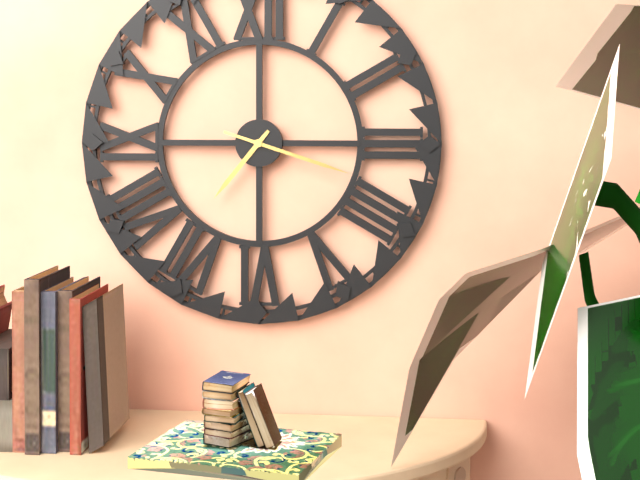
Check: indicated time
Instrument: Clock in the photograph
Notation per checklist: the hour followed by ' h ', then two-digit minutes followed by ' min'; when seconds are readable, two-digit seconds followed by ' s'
7 h 18 min
